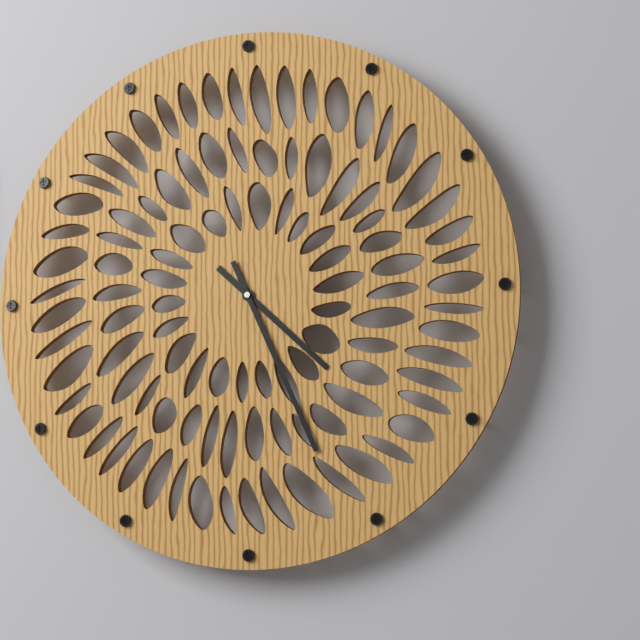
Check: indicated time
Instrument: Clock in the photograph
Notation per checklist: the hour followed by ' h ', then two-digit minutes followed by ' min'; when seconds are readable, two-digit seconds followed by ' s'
4 h 26 min
